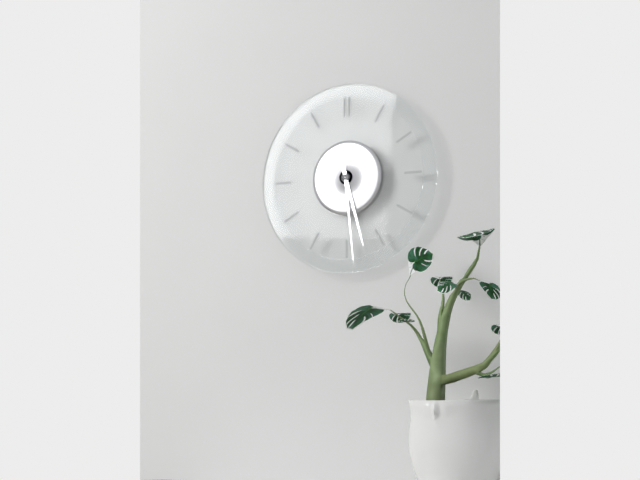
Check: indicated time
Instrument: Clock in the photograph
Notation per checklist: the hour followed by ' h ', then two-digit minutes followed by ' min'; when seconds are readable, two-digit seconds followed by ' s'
5 h 29 min
